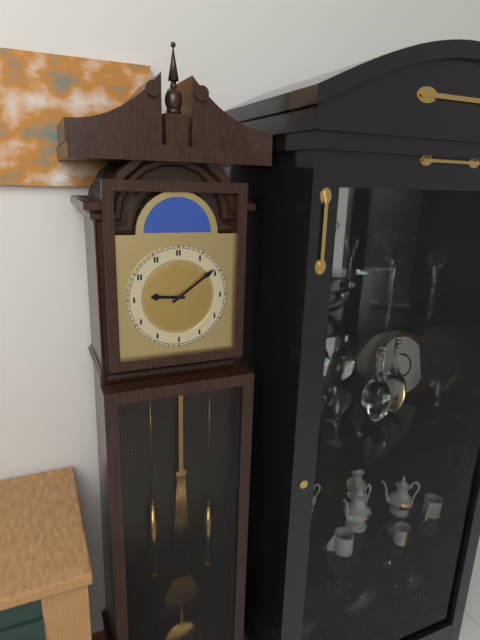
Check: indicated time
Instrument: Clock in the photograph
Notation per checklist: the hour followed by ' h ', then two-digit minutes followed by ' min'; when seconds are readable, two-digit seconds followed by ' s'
9 h 09 min
